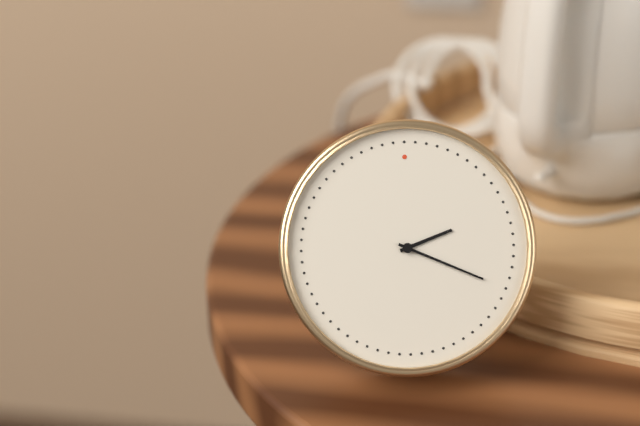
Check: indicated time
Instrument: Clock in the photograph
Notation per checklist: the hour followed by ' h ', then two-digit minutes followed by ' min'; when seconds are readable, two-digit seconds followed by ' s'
2 h 19 min
